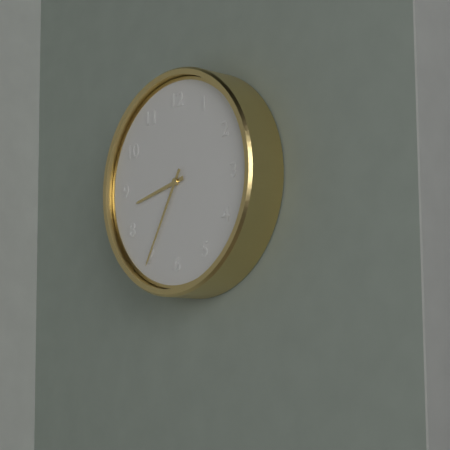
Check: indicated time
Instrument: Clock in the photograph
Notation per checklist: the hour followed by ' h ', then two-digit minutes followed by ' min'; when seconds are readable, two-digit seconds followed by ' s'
8 h 35 min
